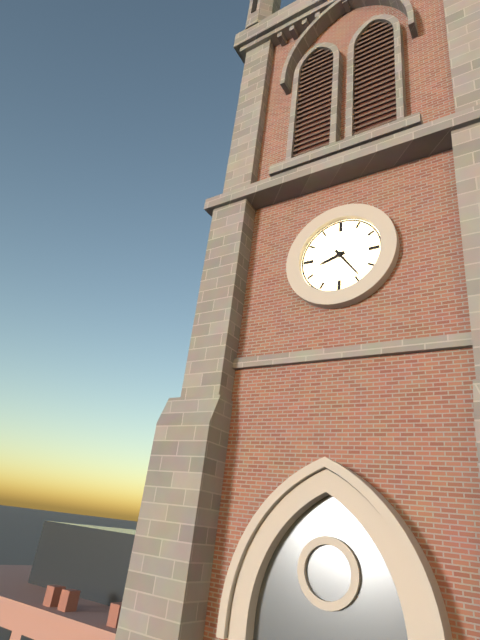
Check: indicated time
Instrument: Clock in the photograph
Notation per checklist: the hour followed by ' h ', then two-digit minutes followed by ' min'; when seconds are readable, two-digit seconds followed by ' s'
8 h 24 min
